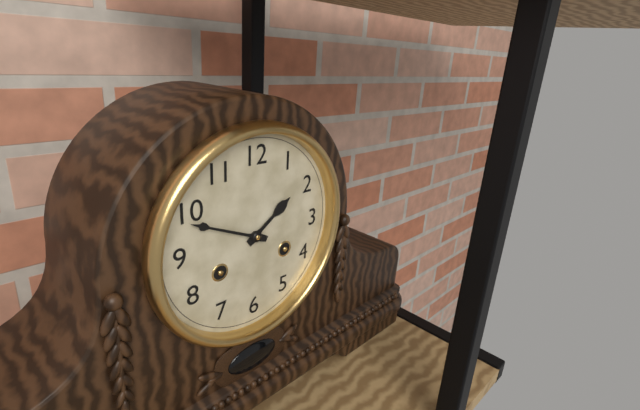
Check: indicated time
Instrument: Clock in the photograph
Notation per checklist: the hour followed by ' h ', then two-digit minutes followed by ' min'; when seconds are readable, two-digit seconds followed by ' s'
1 h 49 min
